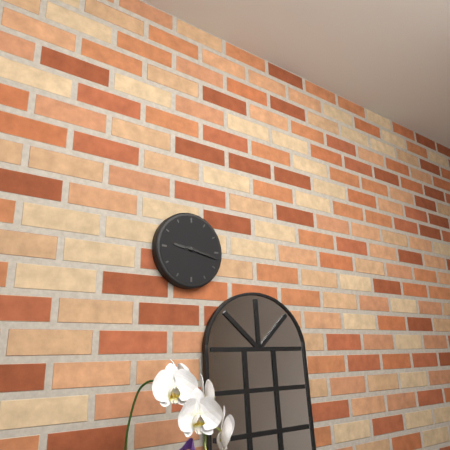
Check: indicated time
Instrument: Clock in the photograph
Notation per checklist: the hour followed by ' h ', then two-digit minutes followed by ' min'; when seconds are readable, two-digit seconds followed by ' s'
9 h 17 min
